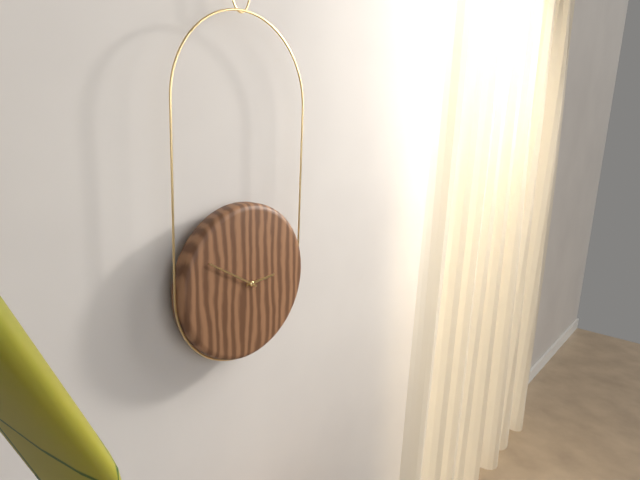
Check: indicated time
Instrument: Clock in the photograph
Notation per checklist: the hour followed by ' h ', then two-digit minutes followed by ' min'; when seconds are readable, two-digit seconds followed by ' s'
2 h 50 min
